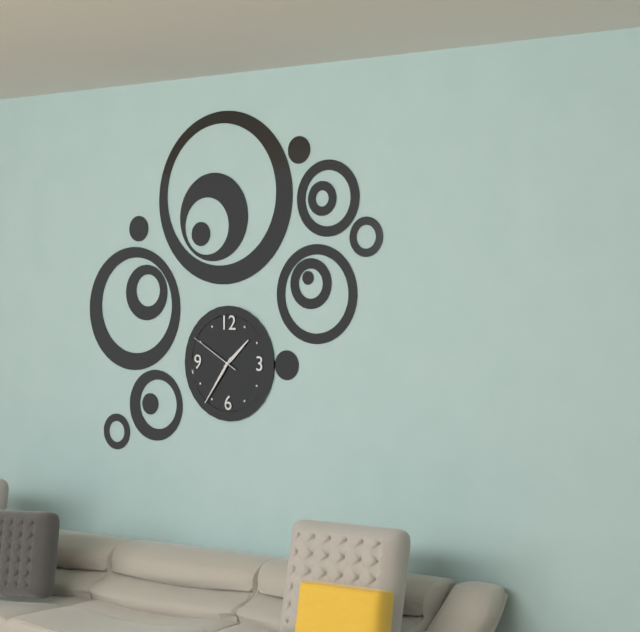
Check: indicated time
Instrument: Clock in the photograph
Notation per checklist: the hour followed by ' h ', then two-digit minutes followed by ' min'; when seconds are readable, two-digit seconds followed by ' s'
1 h 36 min 50 s
